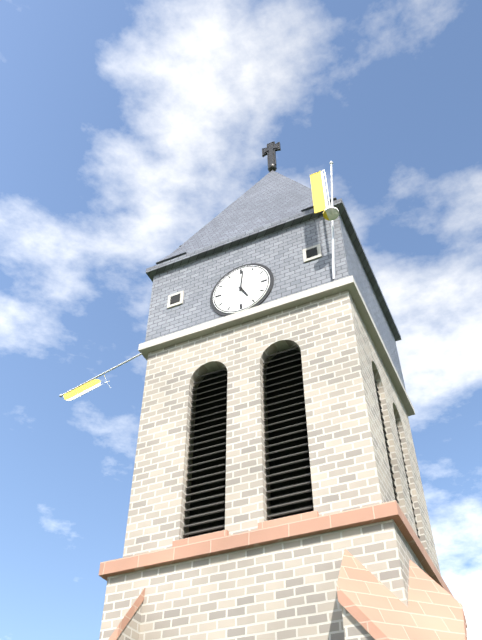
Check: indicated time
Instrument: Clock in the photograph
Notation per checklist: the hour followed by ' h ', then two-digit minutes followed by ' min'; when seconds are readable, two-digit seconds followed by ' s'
5 h 01 min
